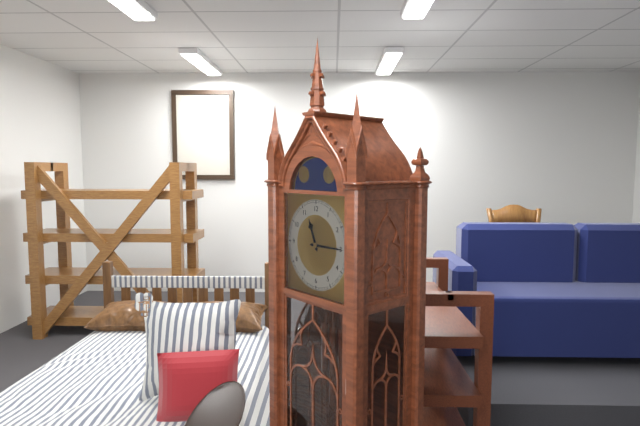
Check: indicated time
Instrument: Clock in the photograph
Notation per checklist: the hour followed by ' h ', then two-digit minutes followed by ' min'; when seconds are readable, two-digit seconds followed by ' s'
11 h 15 min
